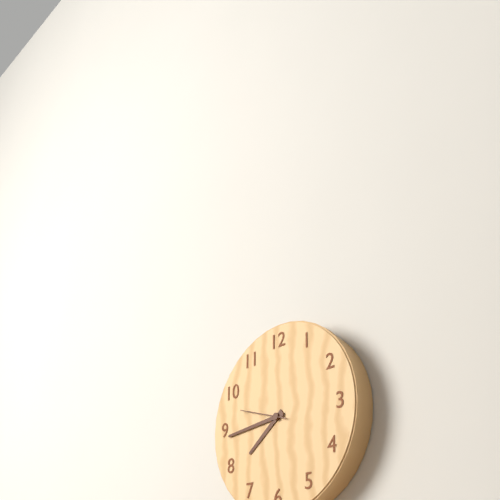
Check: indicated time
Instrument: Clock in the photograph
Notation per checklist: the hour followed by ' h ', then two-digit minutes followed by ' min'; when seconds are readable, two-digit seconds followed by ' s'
7 h 44 min
